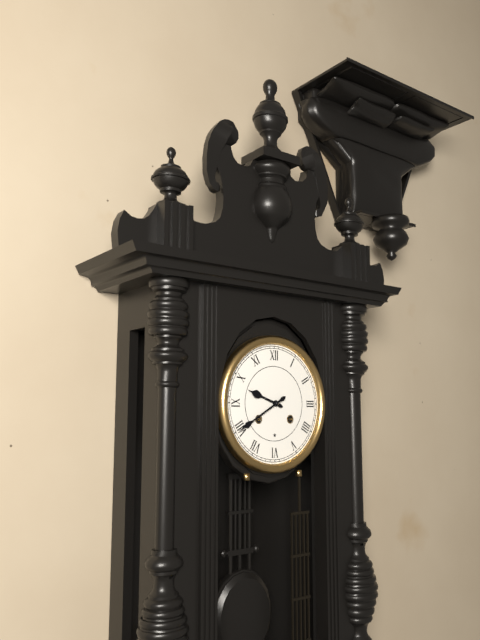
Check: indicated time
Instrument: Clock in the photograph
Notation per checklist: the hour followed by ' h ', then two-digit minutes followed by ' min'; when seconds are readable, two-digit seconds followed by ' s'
9 h 40 min
